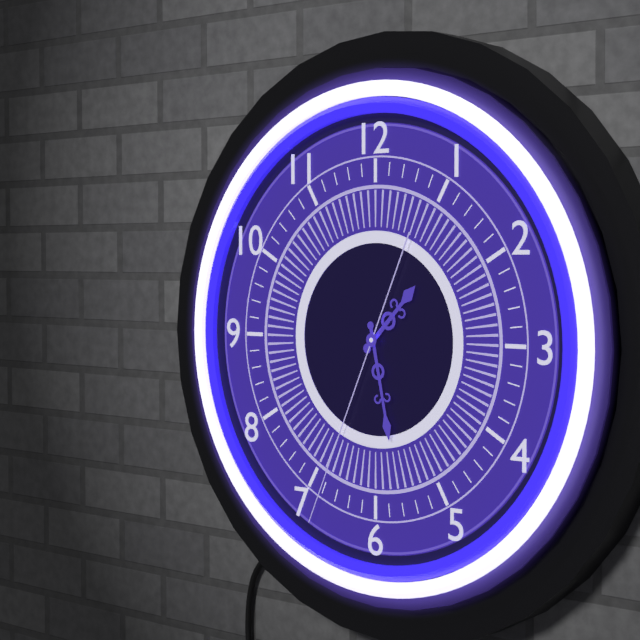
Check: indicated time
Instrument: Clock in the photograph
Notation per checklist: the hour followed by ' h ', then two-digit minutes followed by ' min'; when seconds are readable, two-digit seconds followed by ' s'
1 h 28 min 34 s
